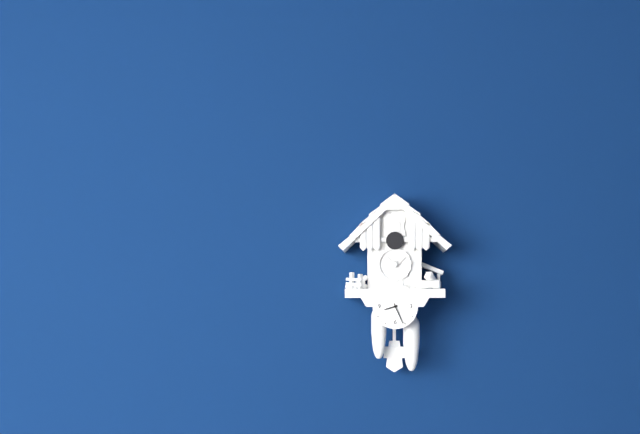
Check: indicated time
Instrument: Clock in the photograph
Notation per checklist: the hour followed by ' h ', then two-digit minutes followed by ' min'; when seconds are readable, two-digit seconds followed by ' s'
8 h 26 min
